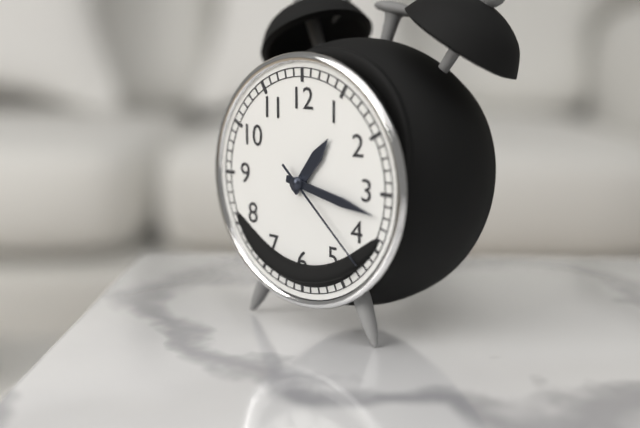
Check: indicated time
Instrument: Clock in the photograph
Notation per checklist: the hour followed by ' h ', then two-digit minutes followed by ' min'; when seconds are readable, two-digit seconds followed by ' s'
1 h 17 min 22 s
